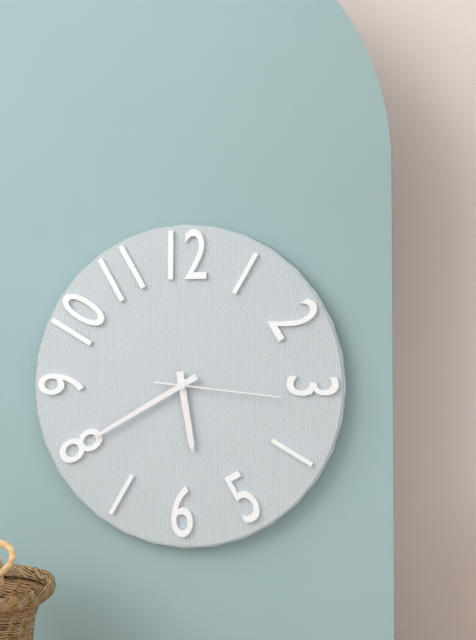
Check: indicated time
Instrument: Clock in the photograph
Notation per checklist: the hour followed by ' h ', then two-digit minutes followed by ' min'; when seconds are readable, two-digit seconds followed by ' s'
5 h 40 min 16 s
